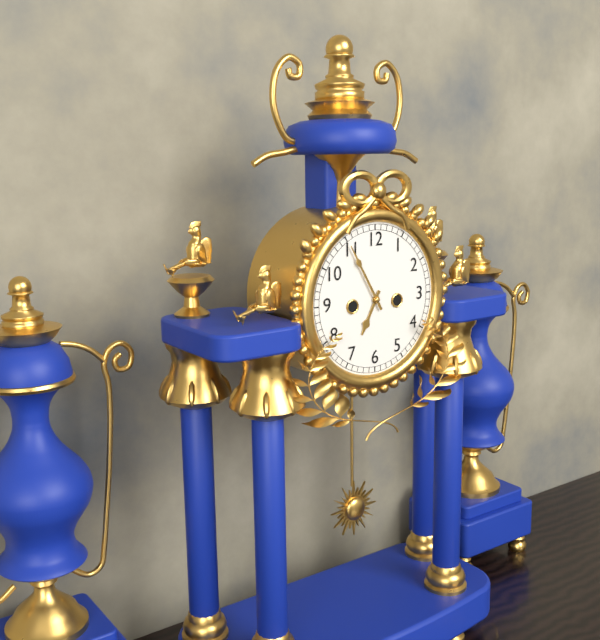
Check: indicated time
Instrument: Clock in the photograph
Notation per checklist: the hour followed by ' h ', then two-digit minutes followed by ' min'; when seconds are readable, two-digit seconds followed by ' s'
6 h 55 min
